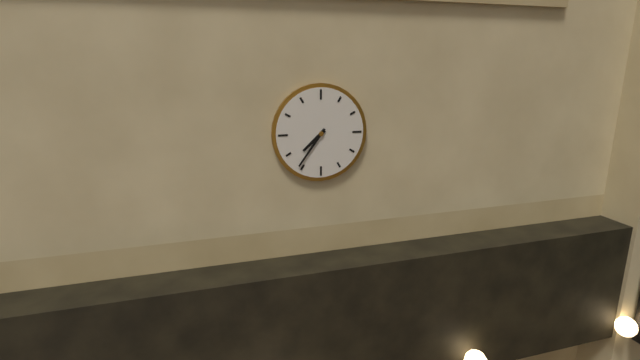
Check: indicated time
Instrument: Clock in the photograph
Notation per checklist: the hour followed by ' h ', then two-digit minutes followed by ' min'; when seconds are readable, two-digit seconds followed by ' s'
7 h 36 min
